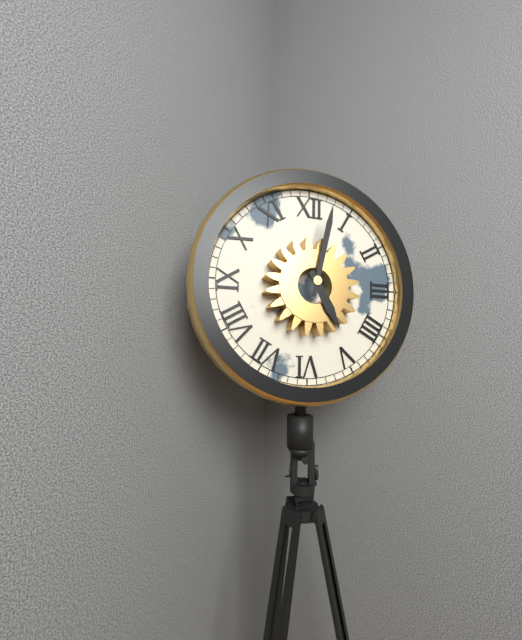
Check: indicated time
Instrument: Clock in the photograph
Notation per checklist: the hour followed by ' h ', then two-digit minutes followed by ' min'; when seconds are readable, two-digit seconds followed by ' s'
5 h 02 min
